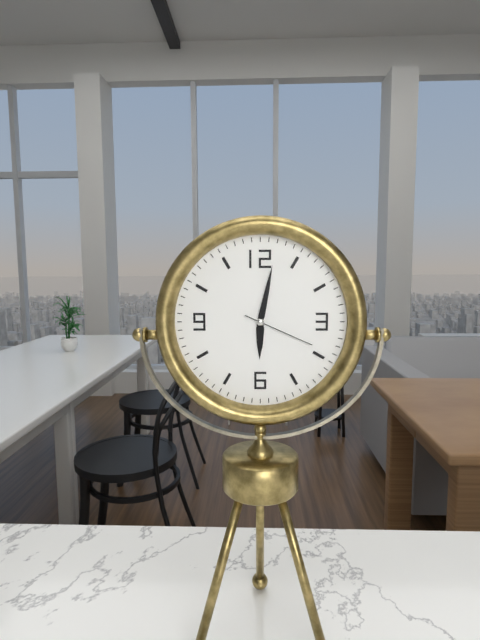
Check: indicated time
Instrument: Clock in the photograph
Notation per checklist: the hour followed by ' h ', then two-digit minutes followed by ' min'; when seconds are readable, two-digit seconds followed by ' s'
6 h 02 min 19 s
